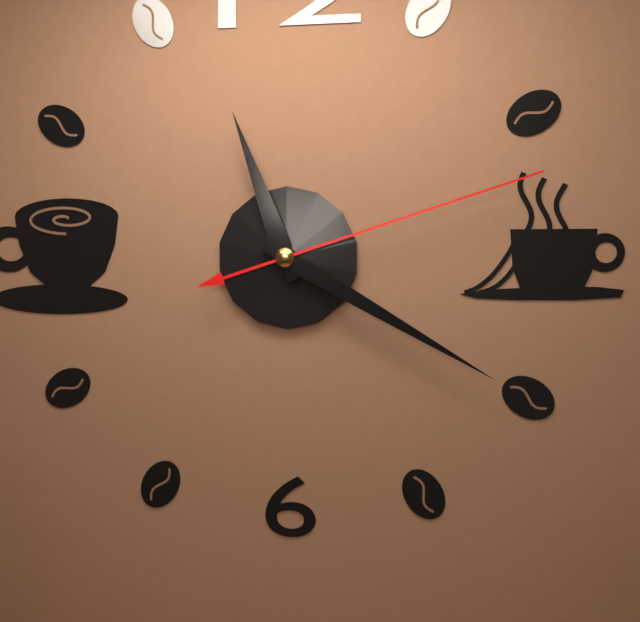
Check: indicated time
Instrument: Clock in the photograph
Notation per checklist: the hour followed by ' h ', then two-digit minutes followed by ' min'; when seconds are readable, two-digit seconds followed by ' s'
11 h 20 min 12 s
